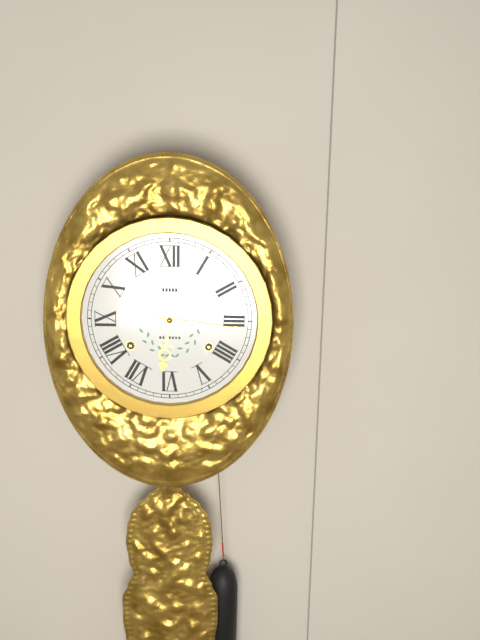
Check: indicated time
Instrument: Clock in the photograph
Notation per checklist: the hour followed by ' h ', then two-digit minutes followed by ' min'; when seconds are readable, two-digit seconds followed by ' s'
6 h 16 min
